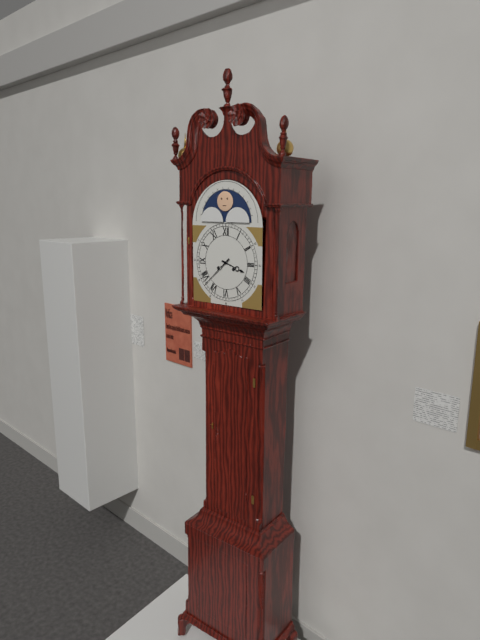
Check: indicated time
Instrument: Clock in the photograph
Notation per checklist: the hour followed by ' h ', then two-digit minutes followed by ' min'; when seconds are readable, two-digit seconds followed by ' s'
3 h 38 min
